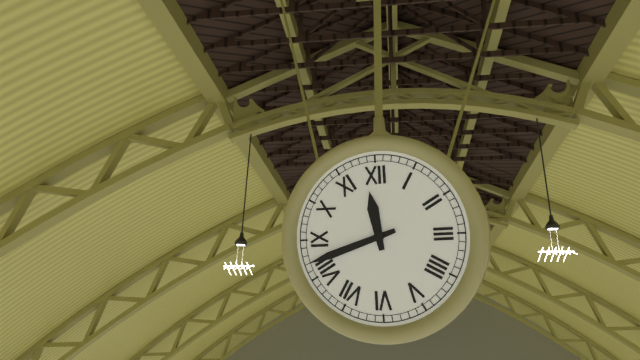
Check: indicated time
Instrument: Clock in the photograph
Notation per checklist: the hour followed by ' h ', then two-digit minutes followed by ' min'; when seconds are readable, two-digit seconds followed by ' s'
11 h 42 min
